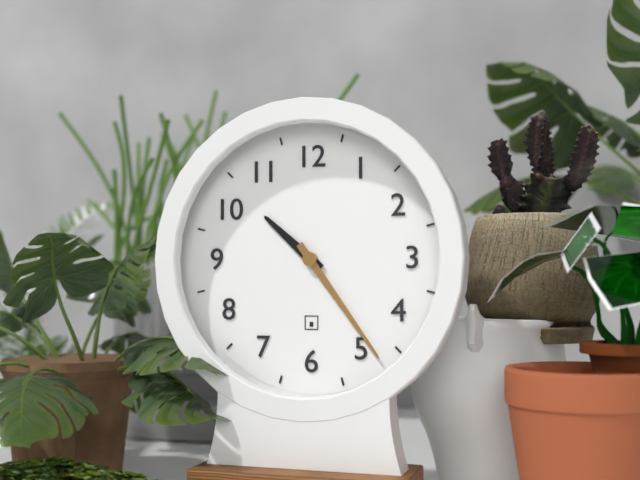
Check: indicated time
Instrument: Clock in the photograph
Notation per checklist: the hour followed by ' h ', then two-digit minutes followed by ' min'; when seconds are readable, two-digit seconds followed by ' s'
10 h 24 min
